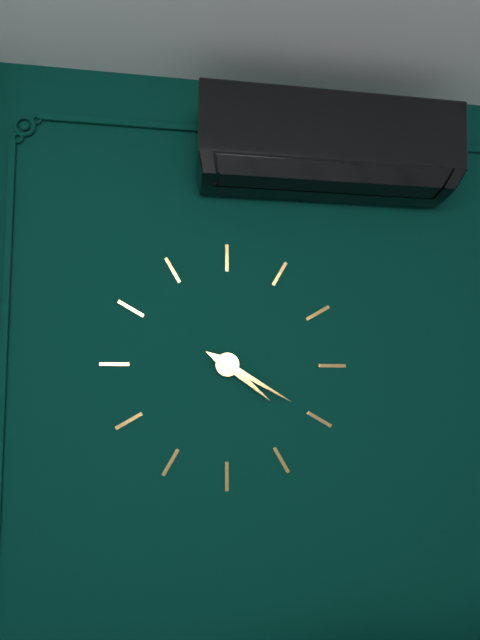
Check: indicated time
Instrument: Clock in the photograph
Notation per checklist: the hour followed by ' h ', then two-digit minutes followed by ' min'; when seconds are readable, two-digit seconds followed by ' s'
4 h 20 min
